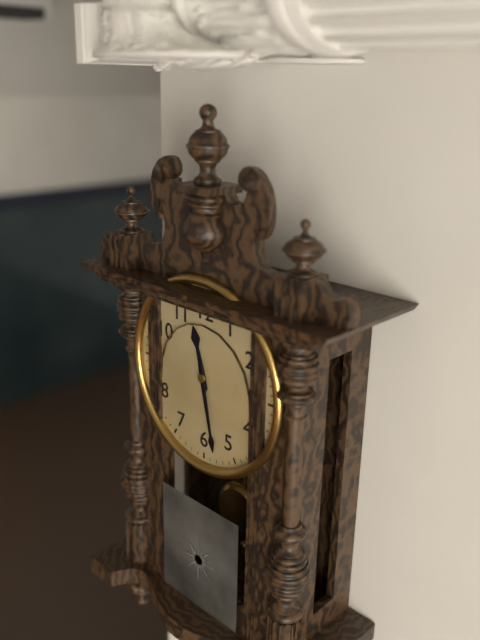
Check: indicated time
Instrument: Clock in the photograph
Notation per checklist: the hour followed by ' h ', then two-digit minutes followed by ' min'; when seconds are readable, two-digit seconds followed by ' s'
11 h 28 min
